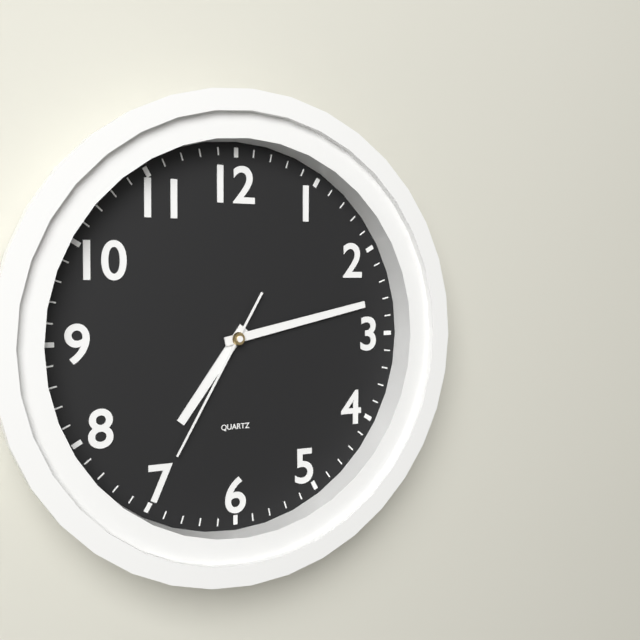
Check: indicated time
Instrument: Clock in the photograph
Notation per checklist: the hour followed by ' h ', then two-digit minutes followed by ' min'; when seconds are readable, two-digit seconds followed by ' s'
7 h 13 min 35 s
